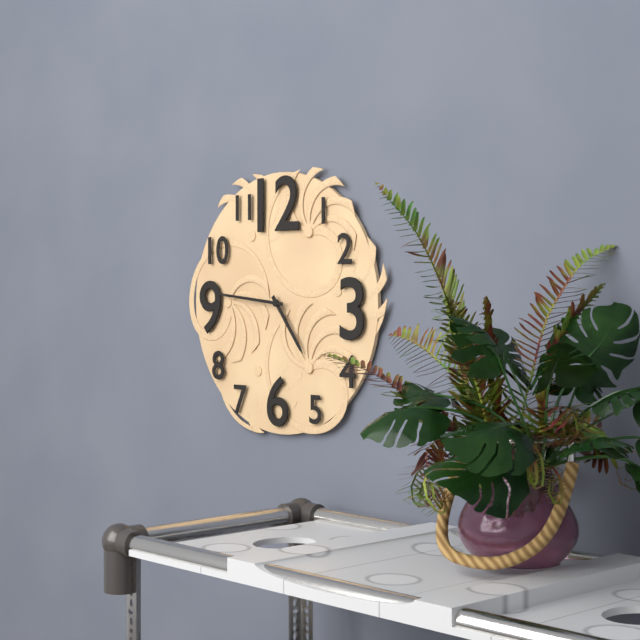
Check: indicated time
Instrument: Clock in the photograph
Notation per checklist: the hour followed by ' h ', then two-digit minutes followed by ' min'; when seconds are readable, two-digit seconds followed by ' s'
4 h 46 min
